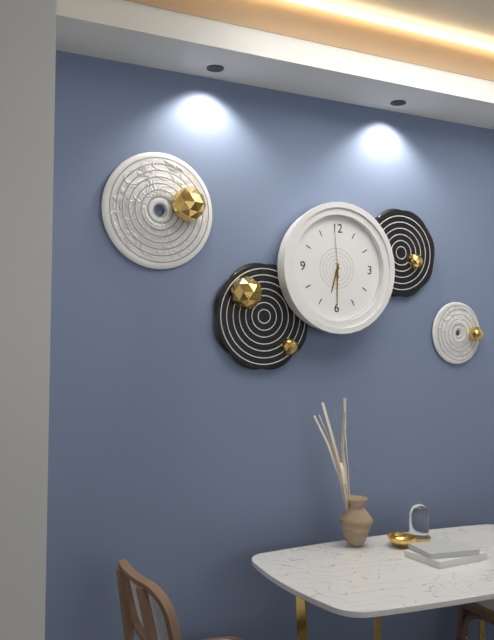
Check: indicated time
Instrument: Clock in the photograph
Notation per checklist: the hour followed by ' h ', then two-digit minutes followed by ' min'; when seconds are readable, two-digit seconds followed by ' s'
6 h 30 min 59 s
